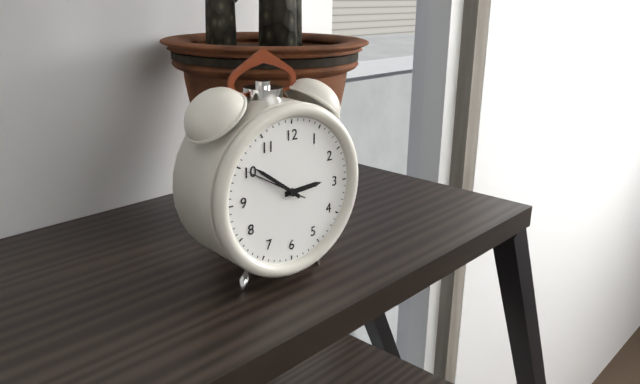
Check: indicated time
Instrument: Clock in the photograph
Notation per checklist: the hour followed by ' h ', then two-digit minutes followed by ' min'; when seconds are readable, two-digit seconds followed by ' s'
2 h 51 min 50 s
